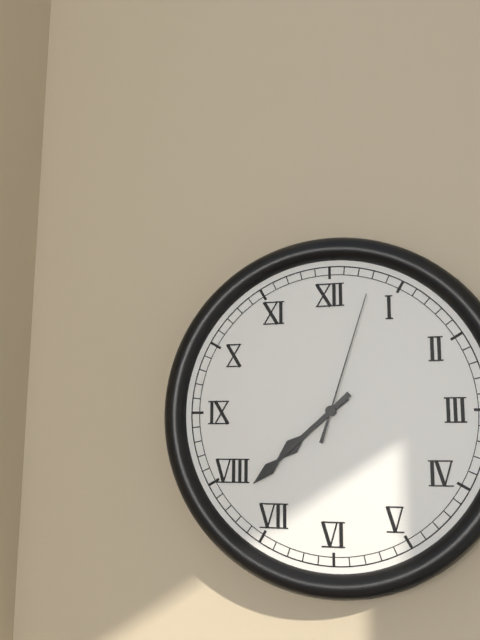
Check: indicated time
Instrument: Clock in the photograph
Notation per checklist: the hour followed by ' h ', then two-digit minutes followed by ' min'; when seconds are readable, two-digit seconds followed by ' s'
7 h 38 min 03 s
